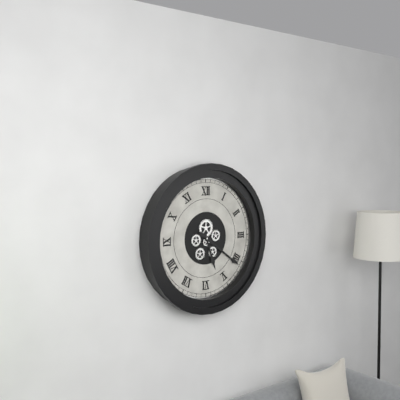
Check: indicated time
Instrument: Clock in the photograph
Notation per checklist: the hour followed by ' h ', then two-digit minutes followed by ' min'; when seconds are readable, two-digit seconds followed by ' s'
5 h 21 min
